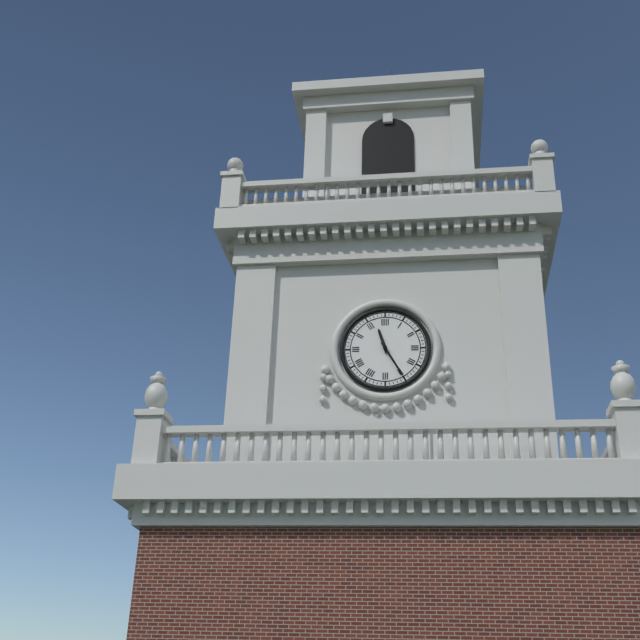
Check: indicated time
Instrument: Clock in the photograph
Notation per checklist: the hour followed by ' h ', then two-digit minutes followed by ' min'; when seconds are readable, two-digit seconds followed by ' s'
11 h 25 min
